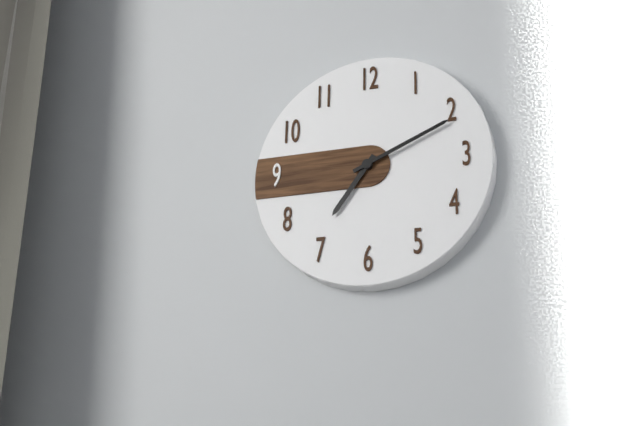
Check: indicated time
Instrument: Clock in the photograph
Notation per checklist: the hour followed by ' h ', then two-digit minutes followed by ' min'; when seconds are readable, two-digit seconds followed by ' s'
7 h 11 min
